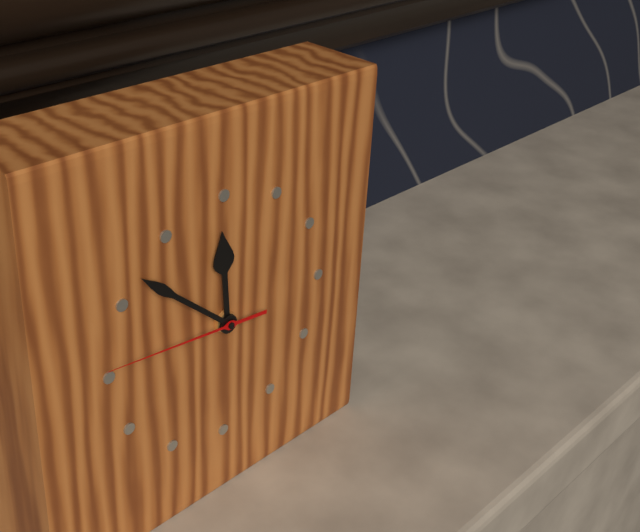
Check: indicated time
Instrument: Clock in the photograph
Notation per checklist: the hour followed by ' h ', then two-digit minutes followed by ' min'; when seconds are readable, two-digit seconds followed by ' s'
11 h 52 min 46 s
